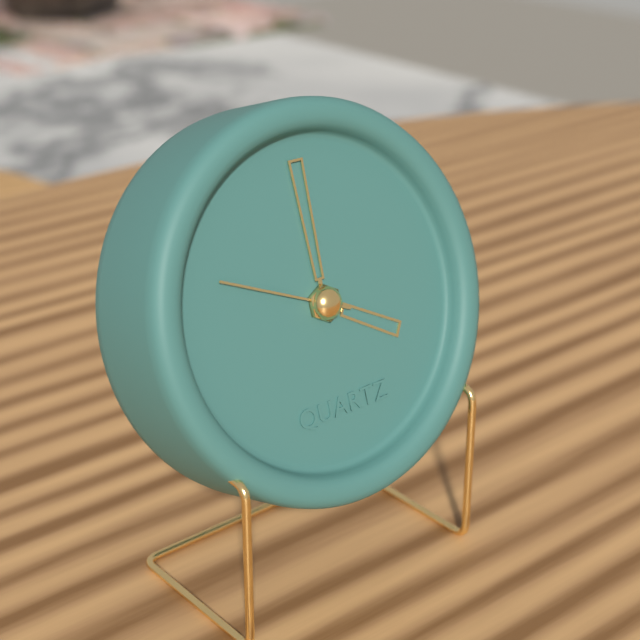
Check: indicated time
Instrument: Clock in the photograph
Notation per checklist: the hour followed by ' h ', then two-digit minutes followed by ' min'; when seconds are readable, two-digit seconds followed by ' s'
4 h 00 min 49 s
